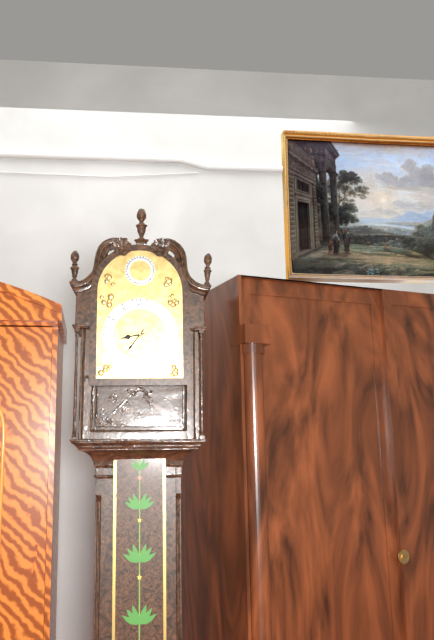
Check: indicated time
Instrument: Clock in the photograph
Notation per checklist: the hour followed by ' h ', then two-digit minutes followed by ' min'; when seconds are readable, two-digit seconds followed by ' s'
8 h 36 min
